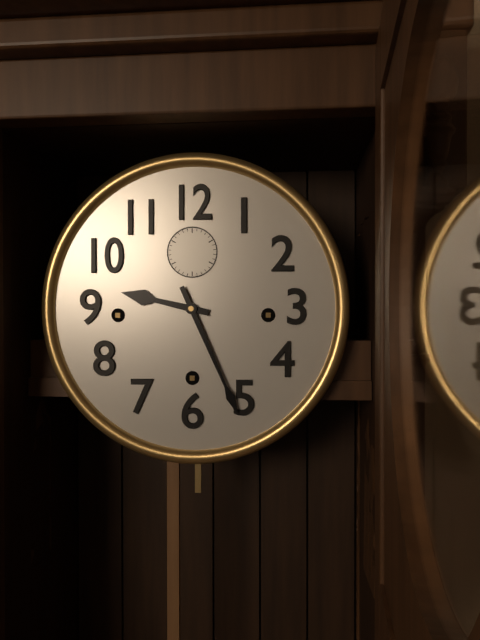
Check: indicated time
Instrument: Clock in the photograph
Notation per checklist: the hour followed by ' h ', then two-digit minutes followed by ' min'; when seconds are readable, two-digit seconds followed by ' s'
9 h 26 min
